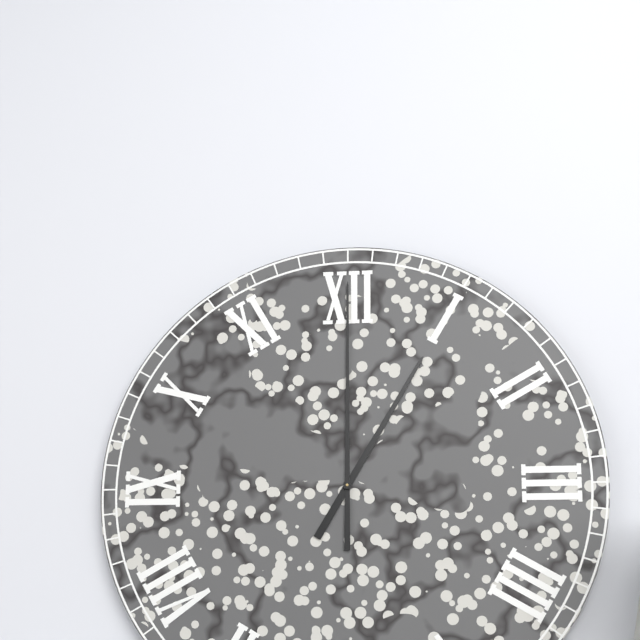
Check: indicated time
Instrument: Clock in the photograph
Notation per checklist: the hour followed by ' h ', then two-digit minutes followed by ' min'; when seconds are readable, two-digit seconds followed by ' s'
1 h 00 min
